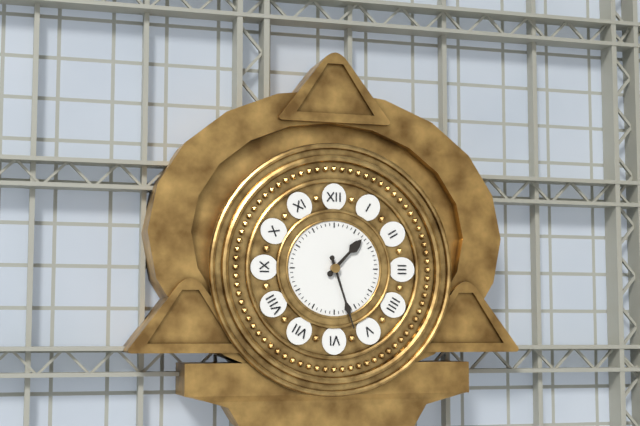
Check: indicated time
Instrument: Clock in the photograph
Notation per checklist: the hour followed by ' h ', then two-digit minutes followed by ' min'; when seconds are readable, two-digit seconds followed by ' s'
1 h 27 min
